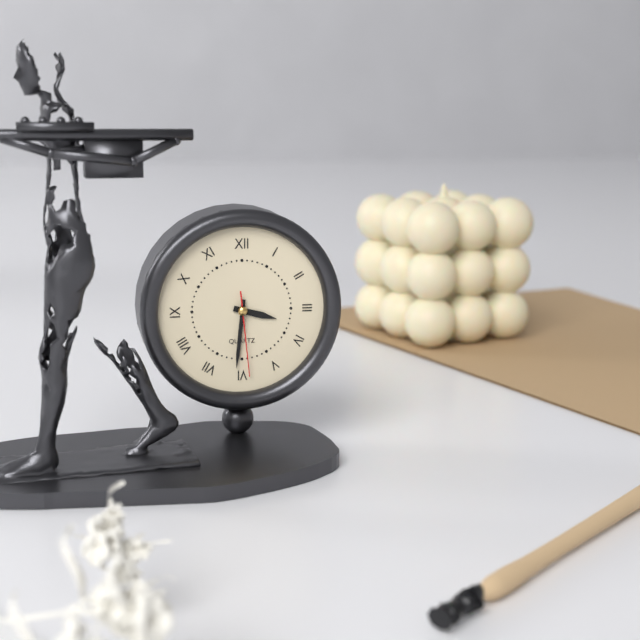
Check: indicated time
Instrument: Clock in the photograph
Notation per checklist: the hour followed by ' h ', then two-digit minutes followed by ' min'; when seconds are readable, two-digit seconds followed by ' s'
3 h 31 min 29 s
